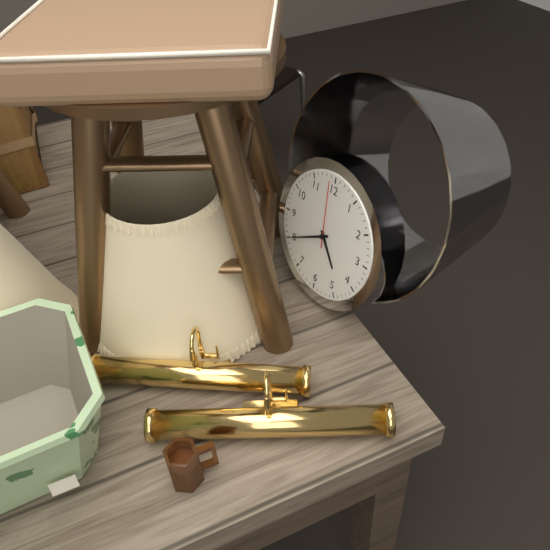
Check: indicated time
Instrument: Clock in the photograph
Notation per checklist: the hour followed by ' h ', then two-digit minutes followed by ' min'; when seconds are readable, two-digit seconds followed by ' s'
4 h 40 min 59 s
